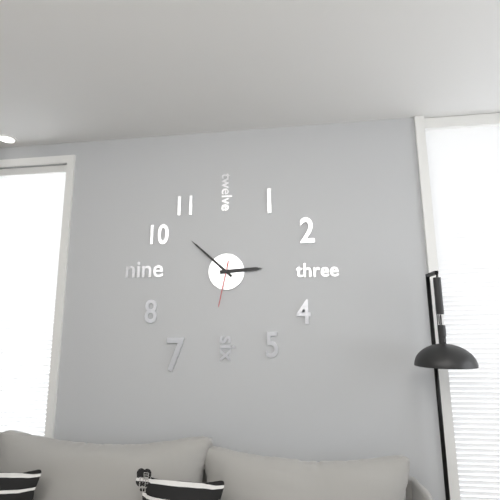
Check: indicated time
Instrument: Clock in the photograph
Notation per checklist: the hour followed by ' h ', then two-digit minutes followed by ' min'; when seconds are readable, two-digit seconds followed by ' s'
2 h 52 min
